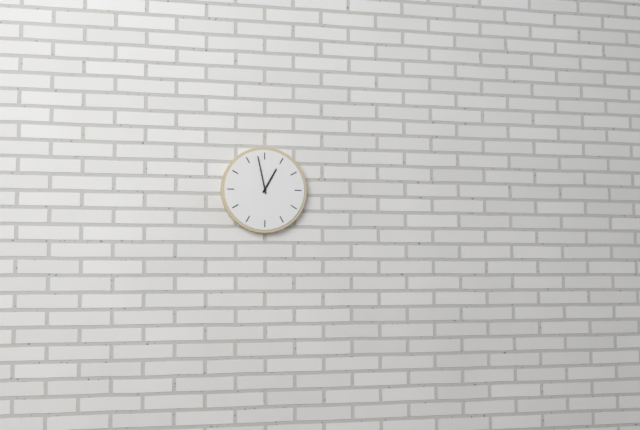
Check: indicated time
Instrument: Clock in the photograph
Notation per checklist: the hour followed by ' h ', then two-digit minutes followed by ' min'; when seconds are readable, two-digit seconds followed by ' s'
12 h 58 min
